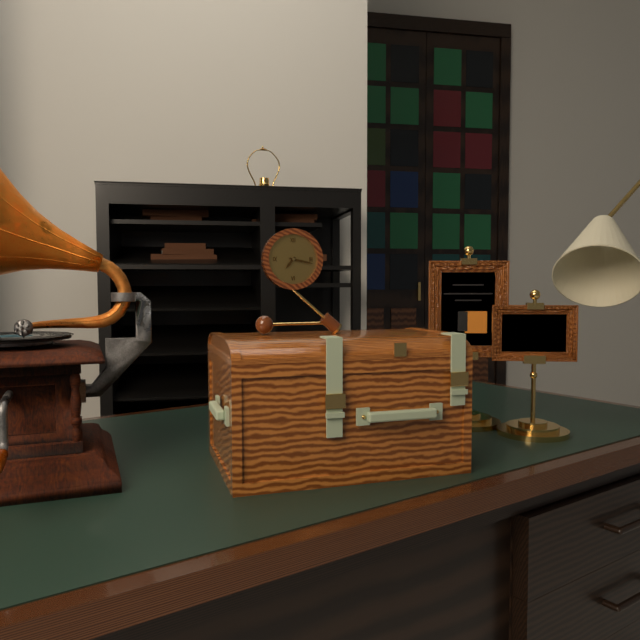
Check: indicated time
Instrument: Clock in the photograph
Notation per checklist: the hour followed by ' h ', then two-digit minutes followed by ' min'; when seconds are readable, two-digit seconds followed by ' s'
7 h 17 min
